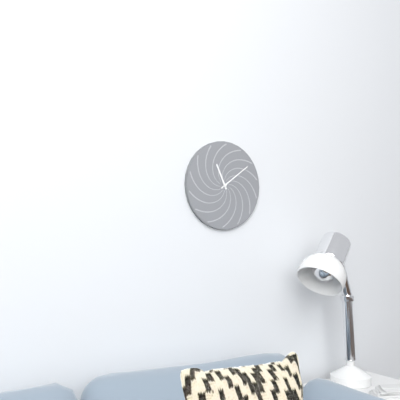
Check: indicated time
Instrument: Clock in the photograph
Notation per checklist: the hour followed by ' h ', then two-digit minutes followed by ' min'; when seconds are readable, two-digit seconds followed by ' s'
11 h 09 min
